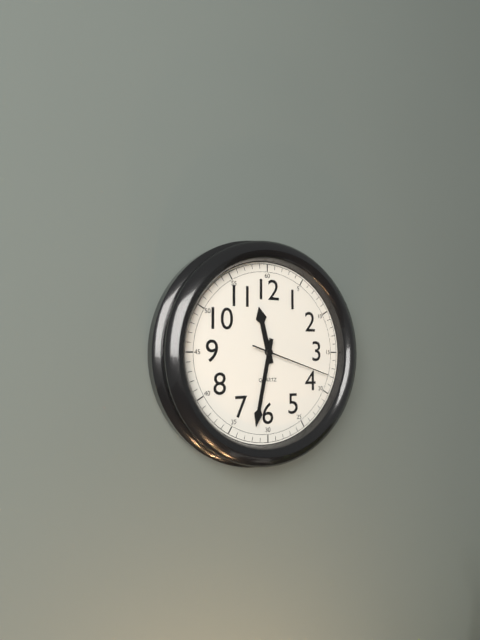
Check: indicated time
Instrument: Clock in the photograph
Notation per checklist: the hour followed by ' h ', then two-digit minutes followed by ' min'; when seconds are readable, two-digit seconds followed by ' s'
11 h 32 min 18 s
